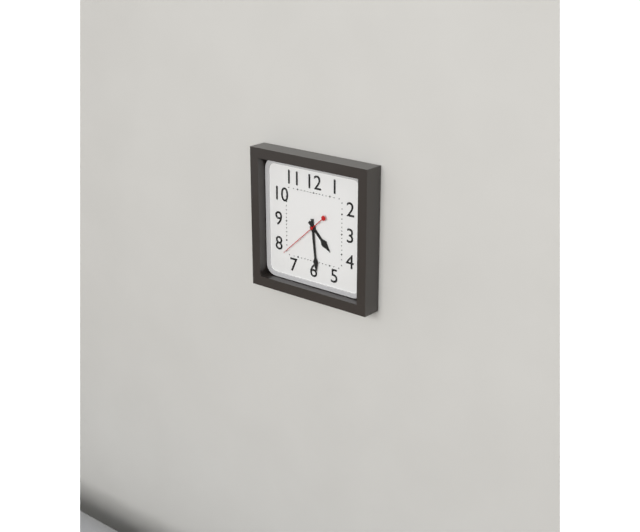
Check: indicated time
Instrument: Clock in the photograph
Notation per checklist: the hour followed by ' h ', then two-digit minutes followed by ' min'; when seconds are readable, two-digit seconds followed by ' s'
4 h 29 min 38 s
